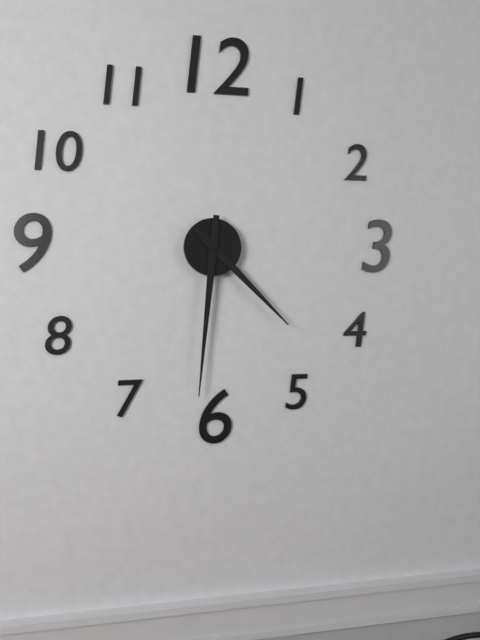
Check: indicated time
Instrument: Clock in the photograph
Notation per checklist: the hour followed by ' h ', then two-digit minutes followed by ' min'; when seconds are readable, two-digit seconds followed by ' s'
4 h 31 min
